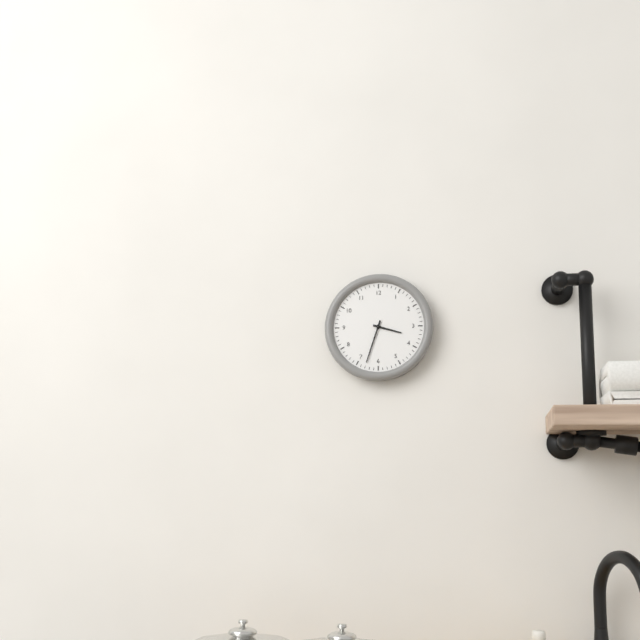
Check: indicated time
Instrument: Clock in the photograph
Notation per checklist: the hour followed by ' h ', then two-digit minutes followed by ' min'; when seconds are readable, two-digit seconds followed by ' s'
3 h 33 min
